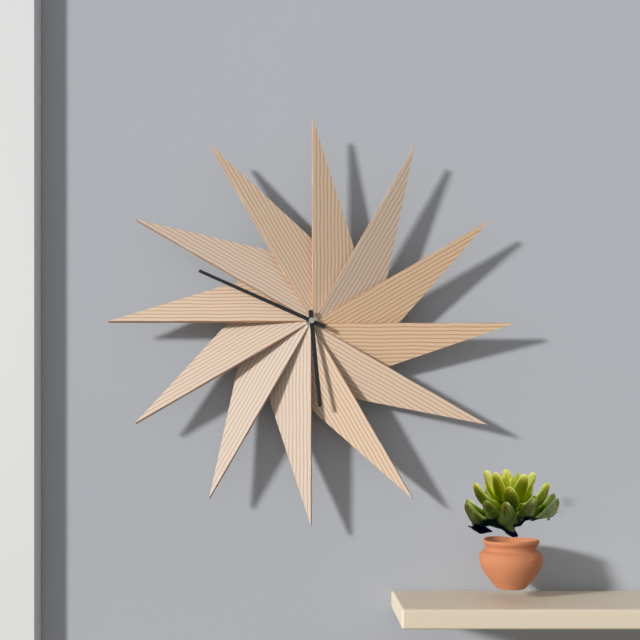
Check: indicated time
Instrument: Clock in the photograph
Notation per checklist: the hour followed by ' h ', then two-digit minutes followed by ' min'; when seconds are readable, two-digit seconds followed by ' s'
5 h 49 min
